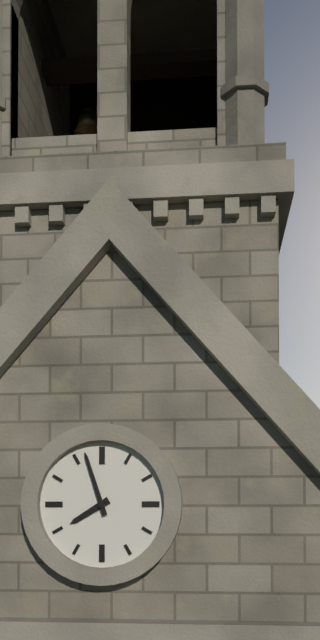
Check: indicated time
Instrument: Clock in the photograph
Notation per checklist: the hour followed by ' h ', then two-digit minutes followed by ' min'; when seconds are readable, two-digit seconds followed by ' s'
7 h 57 min
